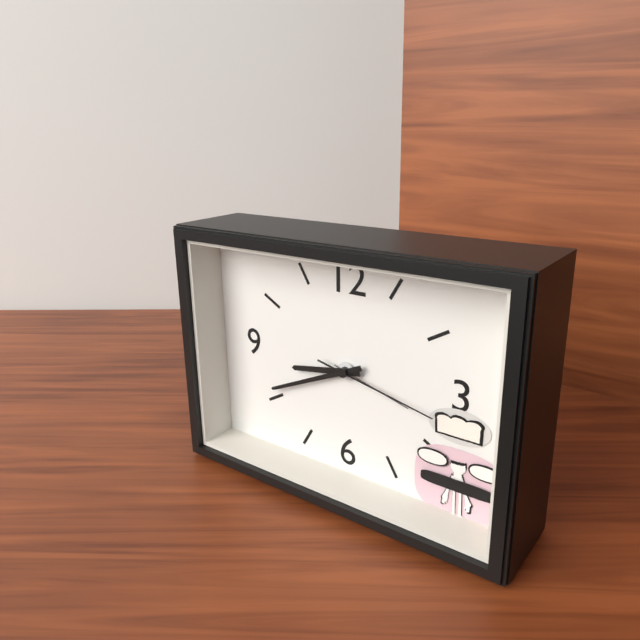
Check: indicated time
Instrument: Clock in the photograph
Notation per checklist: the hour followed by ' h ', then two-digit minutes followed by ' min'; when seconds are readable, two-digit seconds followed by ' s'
8 h 41 min 17 s
